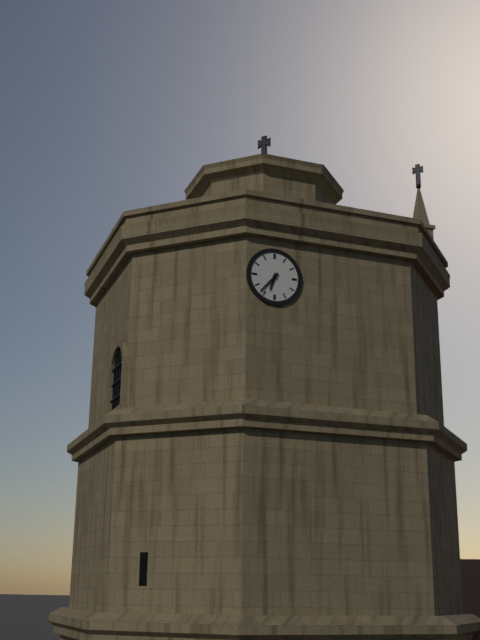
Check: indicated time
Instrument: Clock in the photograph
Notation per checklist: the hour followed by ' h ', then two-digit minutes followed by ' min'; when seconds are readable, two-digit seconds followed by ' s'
6 h 37 min
